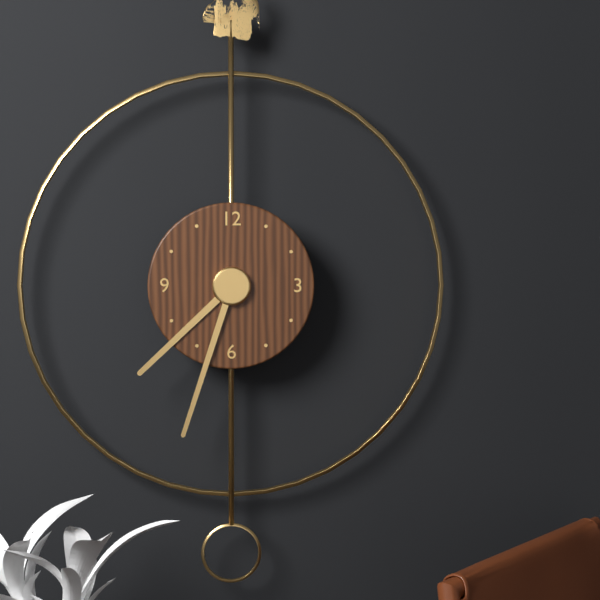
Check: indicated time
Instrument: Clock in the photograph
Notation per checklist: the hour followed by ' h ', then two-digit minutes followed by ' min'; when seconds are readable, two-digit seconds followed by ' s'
7 h 33 min
